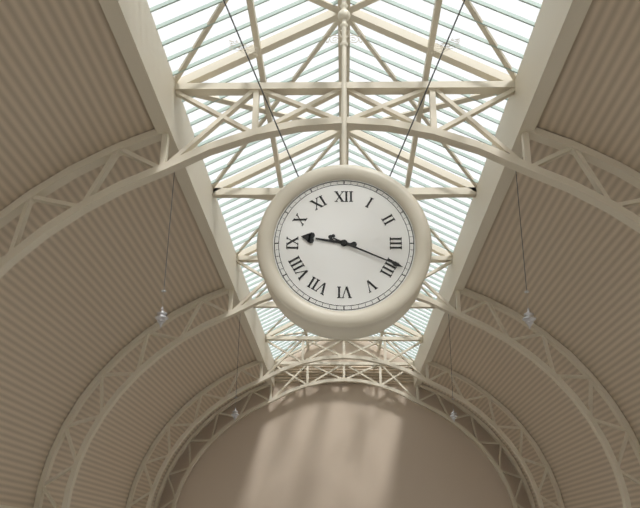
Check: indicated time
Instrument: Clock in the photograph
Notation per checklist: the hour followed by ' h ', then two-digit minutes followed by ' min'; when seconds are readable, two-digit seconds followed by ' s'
9 h 19 min
